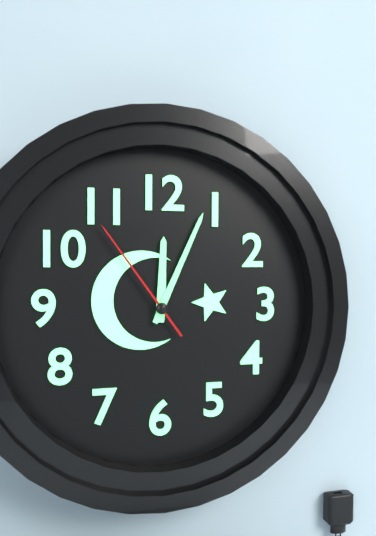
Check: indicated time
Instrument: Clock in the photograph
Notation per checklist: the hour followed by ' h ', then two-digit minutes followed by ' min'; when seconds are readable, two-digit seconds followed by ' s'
12 h 04 min 54 s
